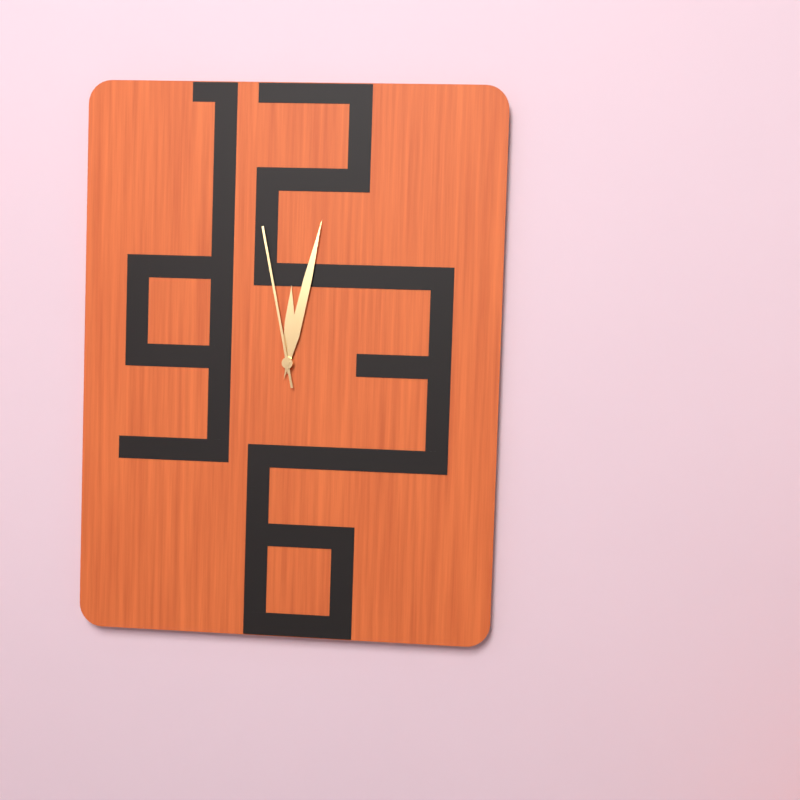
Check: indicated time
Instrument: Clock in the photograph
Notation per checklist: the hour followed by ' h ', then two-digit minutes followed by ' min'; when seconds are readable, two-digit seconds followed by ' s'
12 h 02 min 58 s
